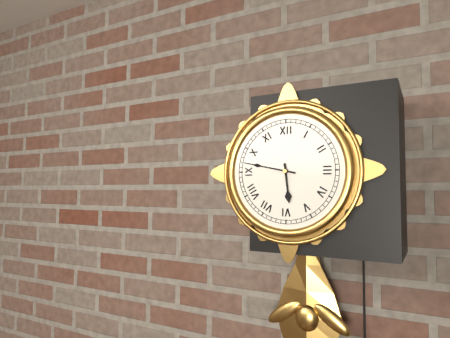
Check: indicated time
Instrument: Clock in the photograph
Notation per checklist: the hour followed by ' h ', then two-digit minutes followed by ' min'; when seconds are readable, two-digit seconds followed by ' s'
5 h 47 min
